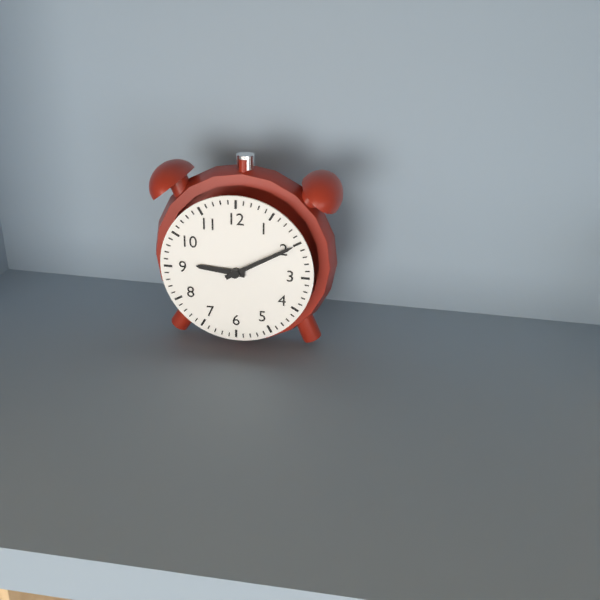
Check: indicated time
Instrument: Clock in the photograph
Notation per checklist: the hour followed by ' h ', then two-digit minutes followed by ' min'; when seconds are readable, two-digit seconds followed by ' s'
9 h 10 min
